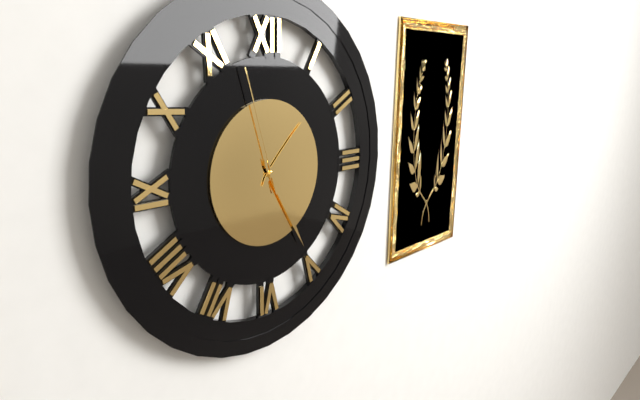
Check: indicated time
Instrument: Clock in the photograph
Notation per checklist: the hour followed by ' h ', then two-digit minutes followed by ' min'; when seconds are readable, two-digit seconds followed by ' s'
1 h 25 min 57 s
